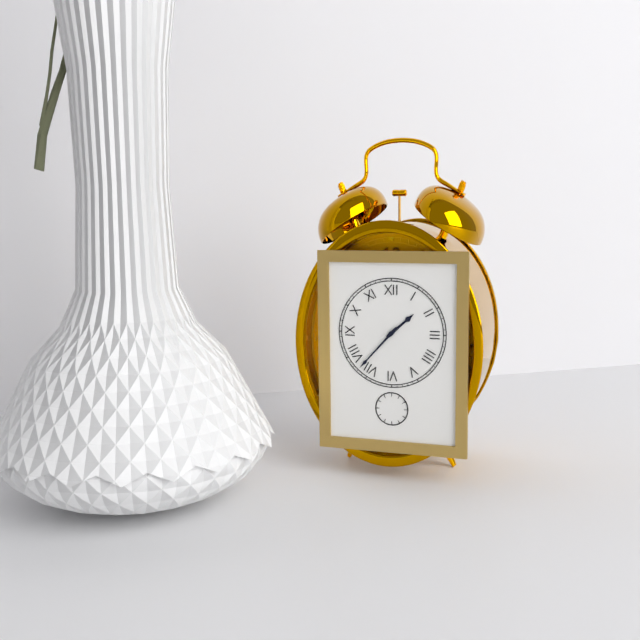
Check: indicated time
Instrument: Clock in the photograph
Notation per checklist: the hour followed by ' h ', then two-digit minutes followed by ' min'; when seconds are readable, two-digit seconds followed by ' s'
1 h 37 min
